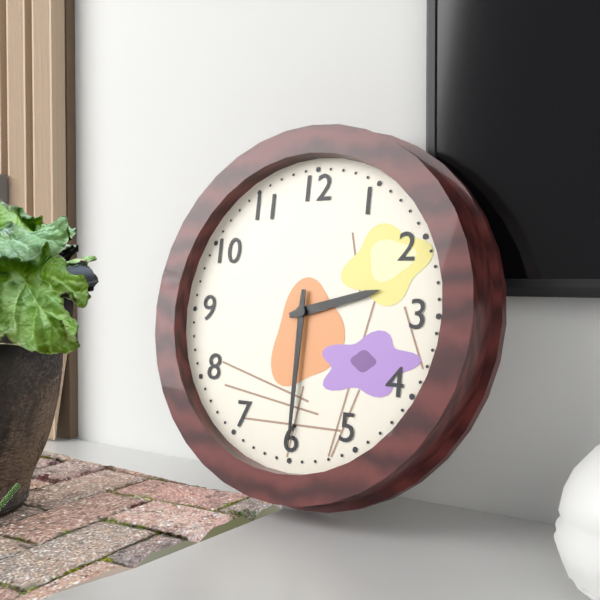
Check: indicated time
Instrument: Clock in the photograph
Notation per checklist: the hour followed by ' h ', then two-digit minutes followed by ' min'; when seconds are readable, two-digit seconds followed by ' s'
2 h 30 min
